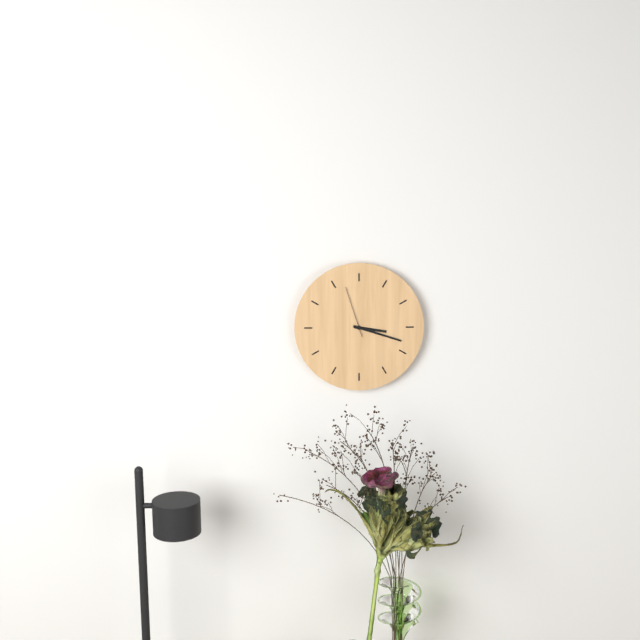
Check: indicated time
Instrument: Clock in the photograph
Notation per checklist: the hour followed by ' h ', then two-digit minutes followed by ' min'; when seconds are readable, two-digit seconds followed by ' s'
3 h 18 min 57 s
